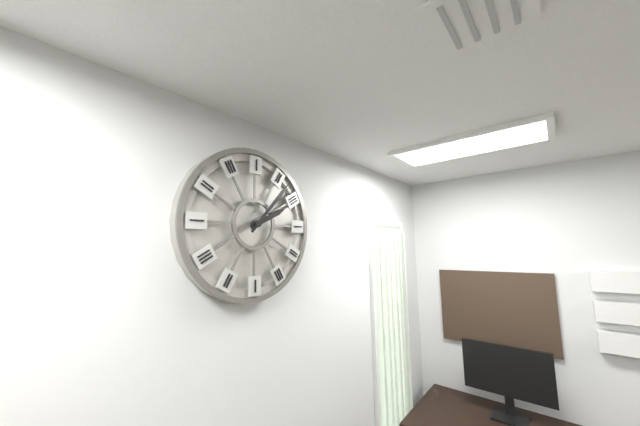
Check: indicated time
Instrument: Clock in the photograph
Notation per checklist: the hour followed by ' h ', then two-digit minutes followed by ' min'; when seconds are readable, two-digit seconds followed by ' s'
2 h 07 min
